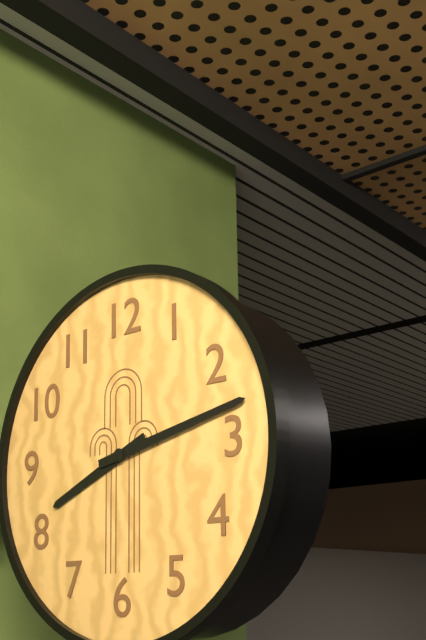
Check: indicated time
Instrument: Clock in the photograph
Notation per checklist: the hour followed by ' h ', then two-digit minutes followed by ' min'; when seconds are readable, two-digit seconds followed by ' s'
8 h 13 min
